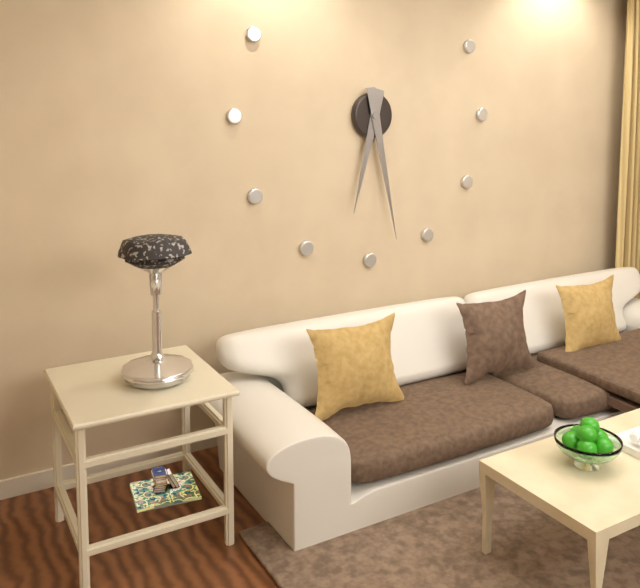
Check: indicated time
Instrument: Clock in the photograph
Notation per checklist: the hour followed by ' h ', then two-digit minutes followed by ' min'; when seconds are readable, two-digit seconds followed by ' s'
6 h 28 min
